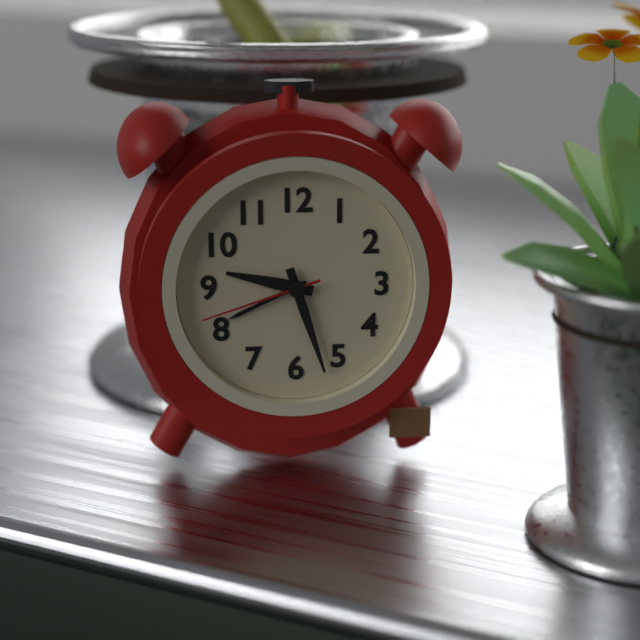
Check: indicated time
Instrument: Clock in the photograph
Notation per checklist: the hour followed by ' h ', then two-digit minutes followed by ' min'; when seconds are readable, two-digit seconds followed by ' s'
9 h 27 min 42 s
